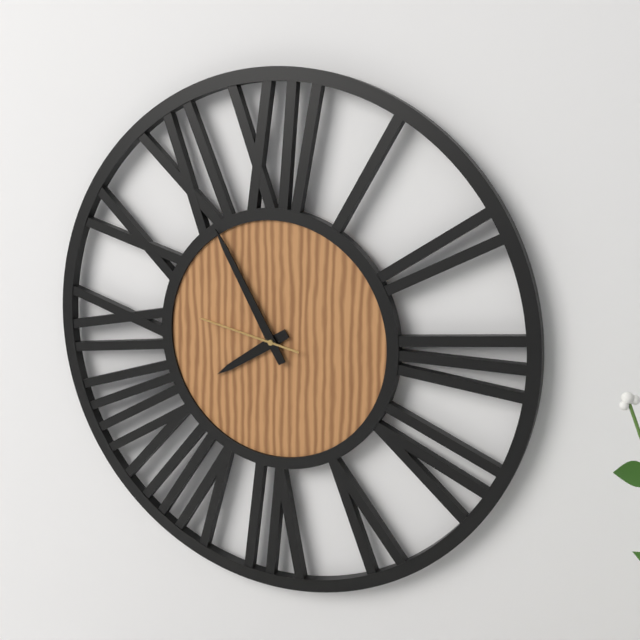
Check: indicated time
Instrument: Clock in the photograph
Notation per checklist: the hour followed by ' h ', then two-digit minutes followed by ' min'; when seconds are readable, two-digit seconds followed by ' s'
7 h 55 min 47 s
